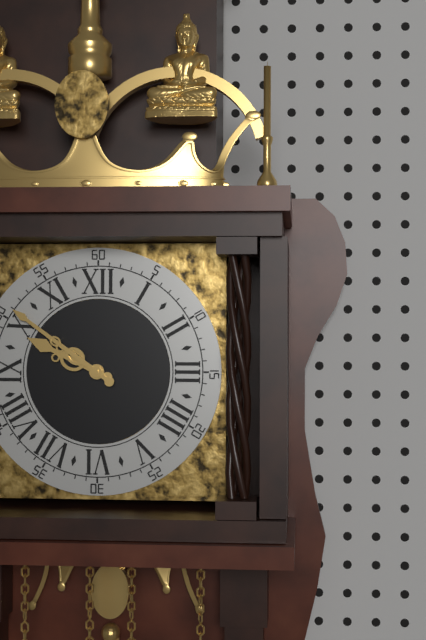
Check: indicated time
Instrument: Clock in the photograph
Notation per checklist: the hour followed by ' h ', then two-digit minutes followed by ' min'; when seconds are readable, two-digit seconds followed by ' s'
9 h 51 min
